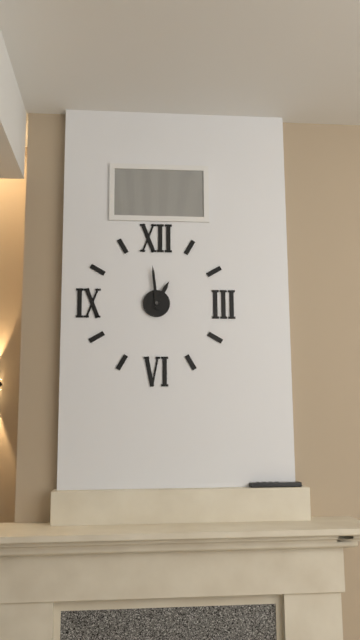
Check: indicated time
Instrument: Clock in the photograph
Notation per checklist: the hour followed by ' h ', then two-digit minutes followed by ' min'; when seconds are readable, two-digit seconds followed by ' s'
12 h 59 min
